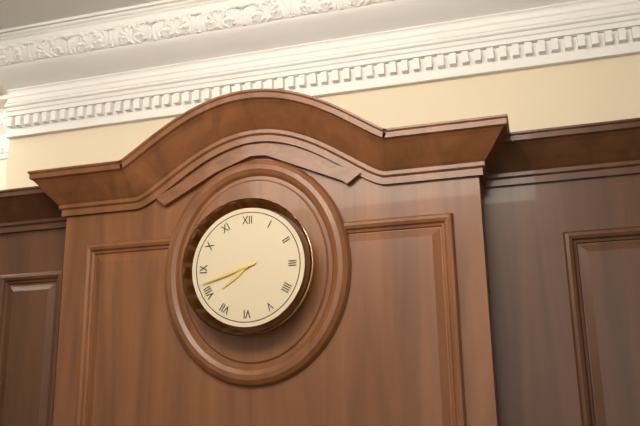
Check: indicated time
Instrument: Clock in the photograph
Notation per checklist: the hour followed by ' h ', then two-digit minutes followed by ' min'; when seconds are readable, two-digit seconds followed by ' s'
7 h 42 min
